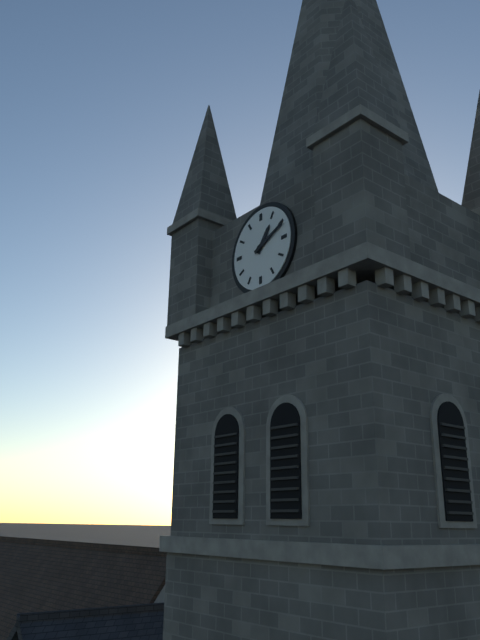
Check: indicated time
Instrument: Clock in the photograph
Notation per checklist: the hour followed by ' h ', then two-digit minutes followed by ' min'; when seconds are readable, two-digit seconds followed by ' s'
1 h 11 min
